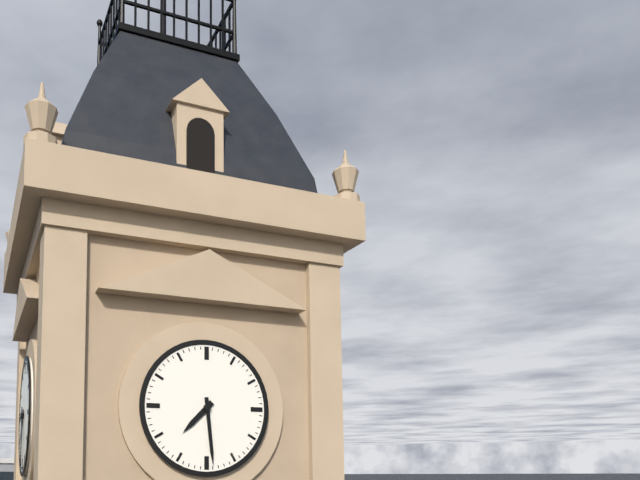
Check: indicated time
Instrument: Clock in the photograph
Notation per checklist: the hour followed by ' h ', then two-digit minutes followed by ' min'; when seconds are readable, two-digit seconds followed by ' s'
7 h 29 min
